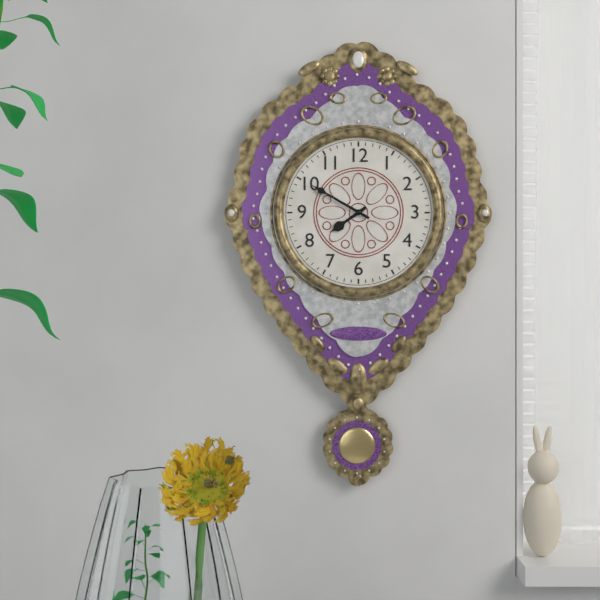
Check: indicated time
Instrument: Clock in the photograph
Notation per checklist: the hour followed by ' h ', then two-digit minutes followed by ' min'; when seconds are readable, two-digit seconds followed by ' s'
7 h 50 min
